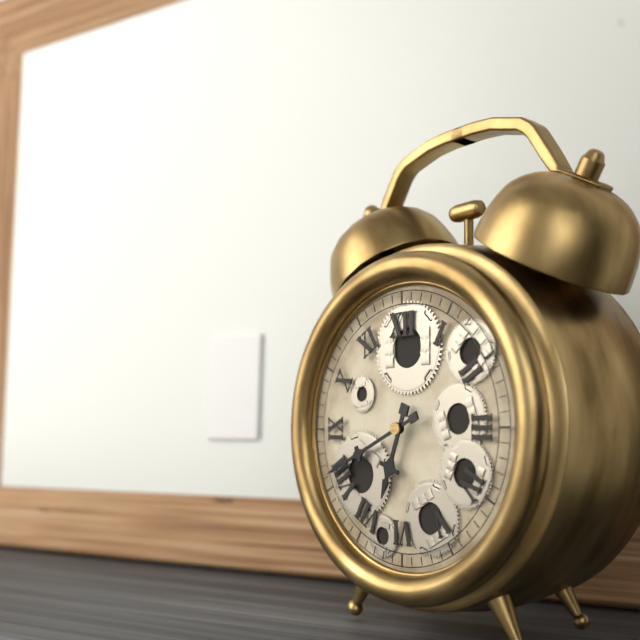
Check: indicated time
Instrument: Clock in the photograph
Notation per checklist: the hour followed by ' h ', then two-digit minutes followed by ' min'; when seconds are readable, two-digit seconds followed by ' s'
6 h 41 min
